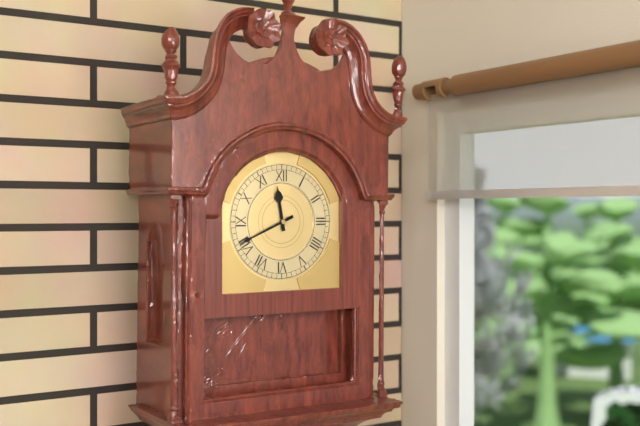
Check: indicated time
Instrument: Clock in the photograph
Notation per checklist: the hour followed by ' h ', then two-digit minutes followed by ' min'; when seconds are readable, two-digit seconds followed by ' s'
11 h 41 min
